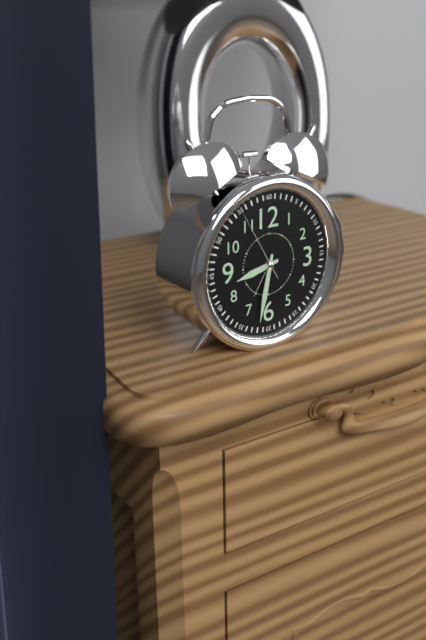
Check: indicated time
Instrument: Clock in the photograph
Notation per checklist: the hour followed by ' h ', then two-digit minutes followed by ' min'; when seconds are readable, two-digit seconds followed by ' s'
8 h 32 min 55 s
